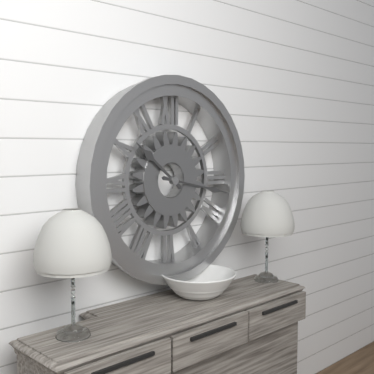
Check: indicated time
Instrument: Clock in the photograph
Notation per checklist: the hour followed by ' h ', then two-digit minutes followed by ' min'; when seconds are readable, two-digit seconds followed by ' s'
10 h 17 min
